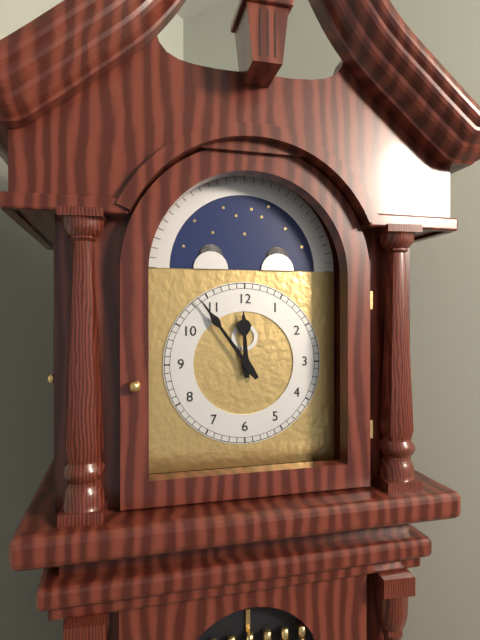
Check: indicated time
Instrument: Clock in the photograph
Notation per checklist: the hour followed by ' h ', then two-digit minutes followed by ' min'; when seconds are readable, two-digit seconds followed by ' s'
11 h 54 min
